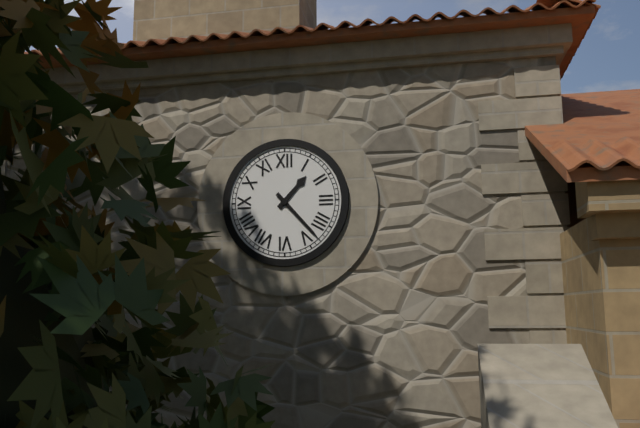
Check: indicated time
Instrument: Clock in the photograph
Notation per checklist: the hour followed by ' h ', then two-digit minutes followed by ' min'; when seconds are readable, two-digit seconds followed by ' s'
1 h 23 min
